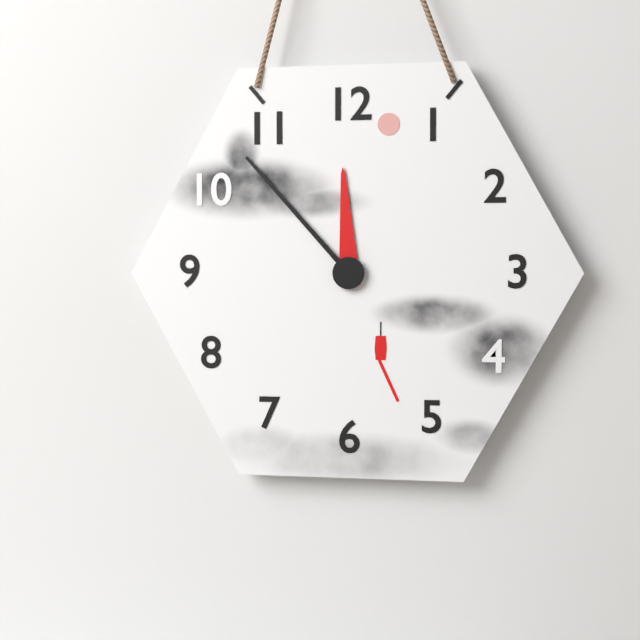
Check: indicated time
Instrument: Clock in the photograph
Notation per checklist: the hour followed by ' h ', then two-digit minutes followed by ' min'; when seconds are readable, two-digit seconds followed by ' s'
11 h 53 min
